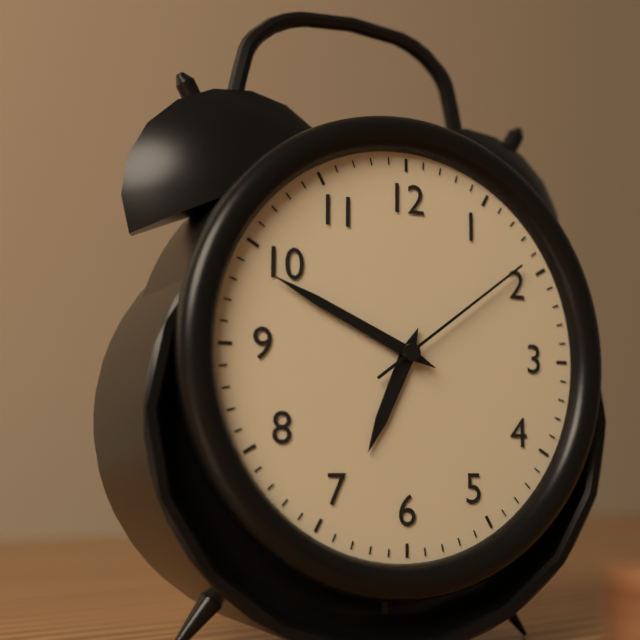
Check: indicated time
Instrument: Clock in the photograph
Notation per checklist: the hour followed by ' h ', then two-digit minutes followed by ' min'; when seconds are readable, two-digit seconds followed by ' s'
6 h 49 min 09 s
